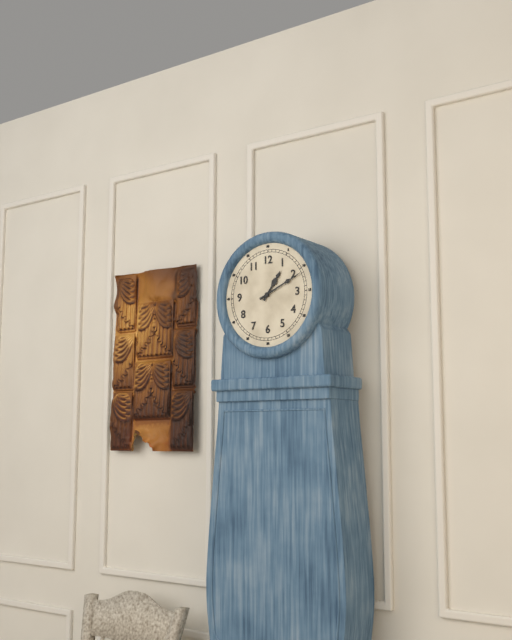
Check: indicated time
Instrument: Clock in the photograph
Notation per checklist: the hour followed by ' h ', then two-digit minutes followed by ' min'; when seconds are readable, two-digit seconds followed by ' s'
1 h 11 min
